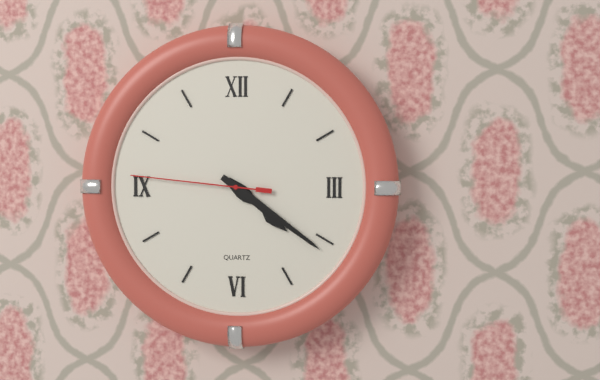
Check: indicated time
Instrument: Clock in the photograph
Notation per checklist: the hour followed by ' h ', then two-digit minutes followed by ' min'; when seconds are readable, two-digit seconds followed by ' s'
4 h 21 min 46 s
